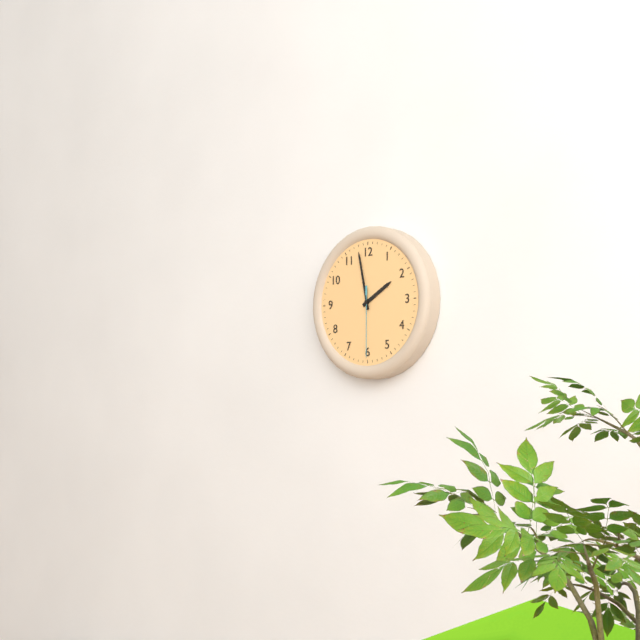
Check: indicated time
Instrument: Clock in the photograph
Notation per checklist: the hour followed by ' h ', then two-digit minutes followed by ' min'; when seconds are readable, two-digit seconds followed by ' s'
1 h 58 min 30 s
